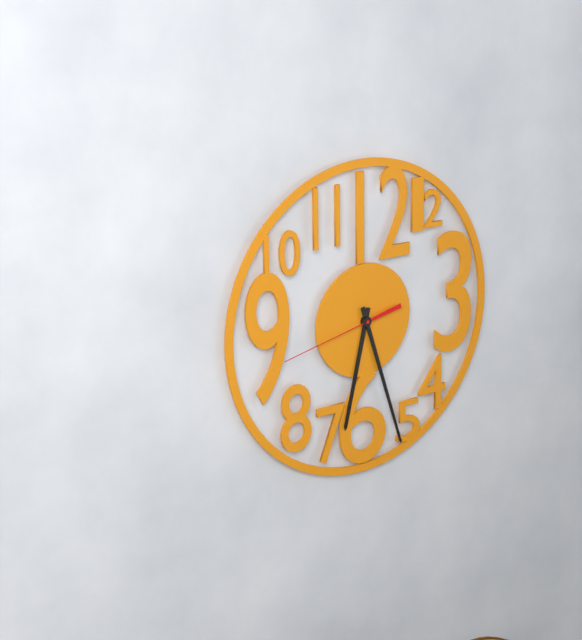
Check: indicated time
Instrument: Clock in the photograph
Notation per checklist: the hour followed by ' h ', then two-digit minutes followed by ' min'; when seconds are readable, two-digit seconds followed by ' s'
6 h 27 min 43 s
